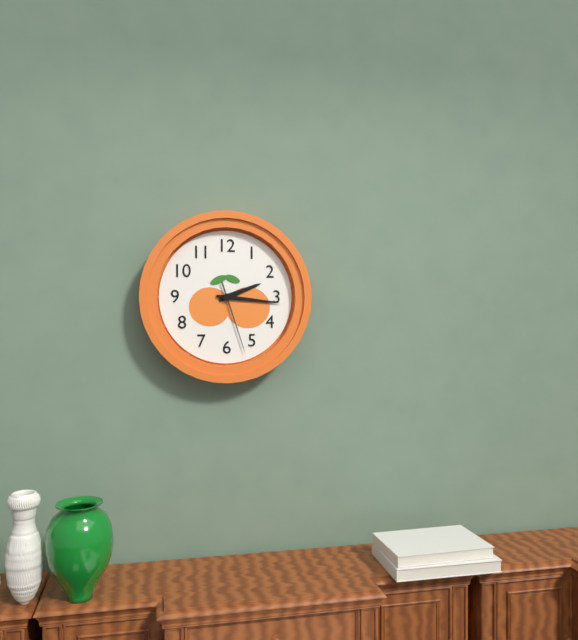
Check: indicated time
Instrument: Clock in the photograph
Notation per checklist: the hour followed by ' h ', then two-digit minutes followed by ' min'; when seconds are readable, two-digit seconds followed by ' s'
2 h 16 min 27 s
